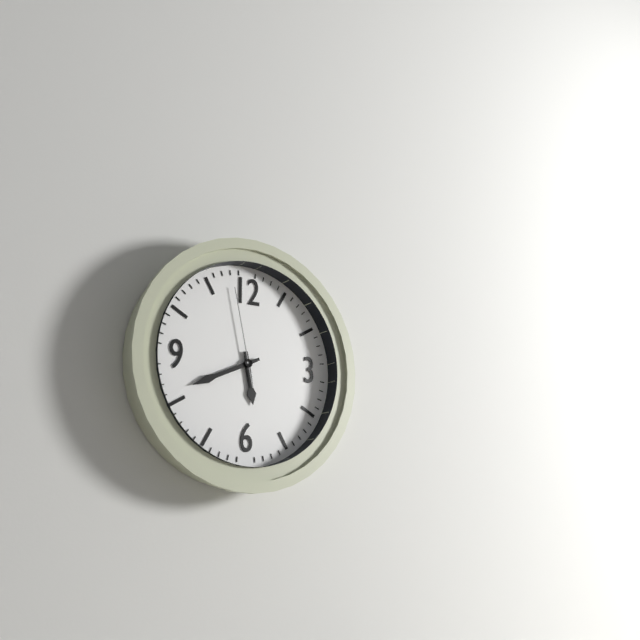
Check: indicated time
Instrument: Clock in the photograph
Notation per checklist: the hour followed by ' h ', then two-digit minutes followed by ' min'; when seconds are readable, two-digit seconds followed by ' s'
5 h 41 min 58 s
